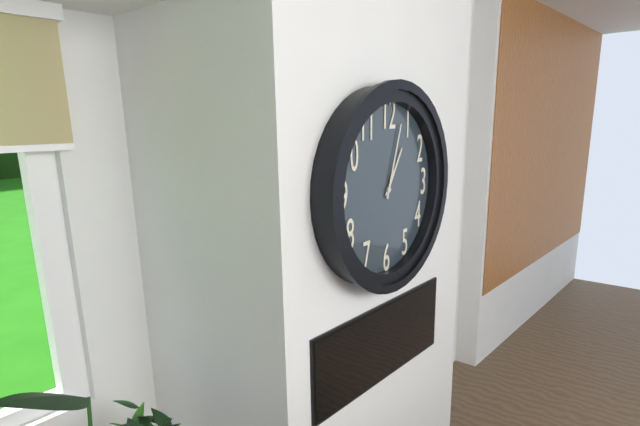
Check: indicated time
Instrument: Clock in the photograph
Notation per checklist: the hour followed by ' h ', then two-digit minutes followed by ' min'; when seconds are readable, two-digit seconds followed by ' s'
1 h 03 min
